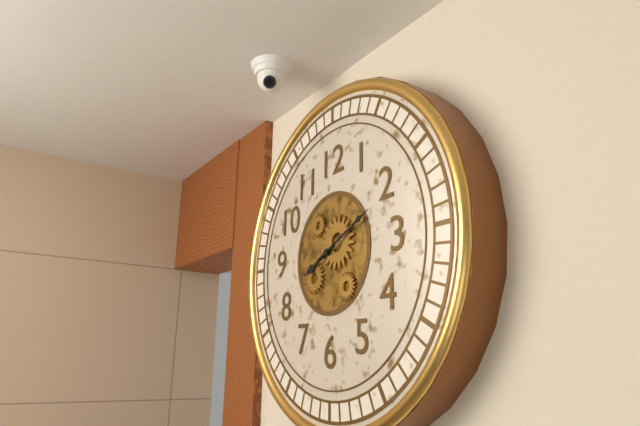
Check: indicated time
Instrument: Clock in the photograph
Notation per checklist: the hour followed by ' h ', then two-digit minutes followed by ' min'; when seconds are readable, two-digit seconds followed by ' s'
8 h 11 min
